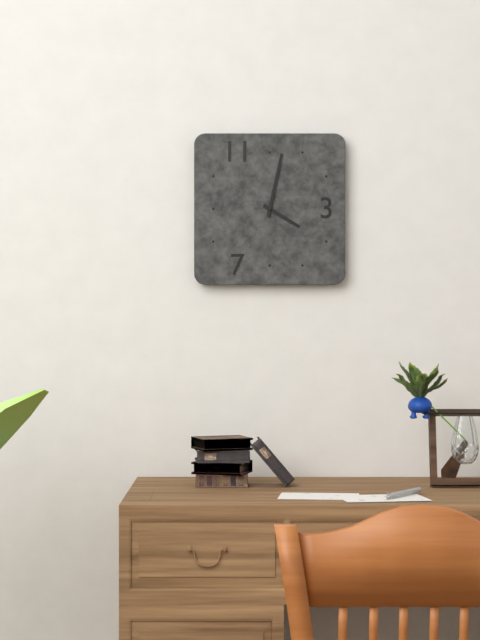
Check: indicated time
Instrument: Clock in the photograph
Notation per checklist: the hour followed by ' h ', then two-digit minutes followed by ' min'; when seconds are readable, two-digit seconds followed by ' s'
4 h 02 min
